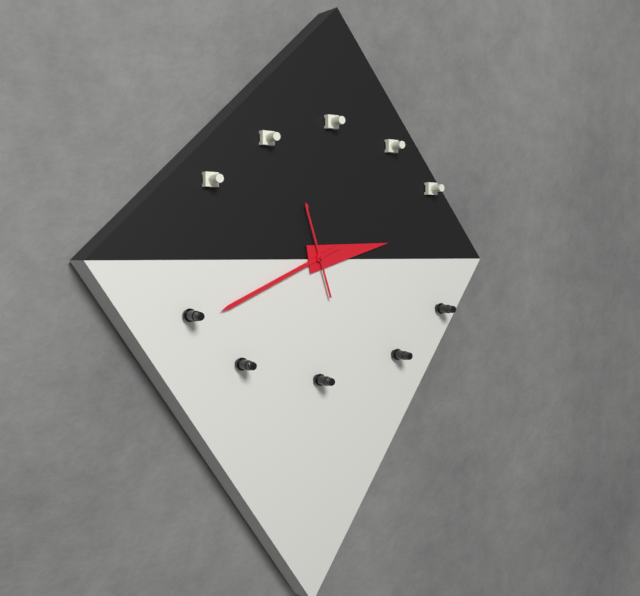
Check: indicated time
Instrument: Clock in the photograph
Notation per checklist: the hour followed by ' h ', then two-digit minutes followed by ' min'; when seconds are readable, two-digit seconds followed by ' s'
2 h 41 min 57 s
